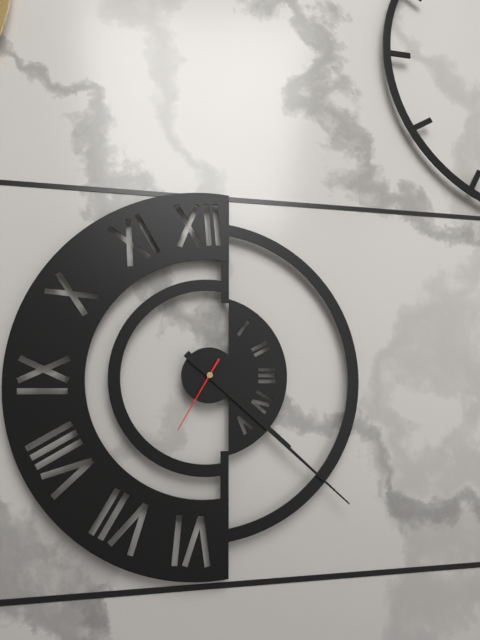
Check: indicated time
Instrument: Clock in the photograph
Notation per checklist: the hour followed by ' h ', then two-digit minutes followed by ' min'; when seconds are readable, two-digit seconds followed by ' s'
4 h 22 min 35 s
